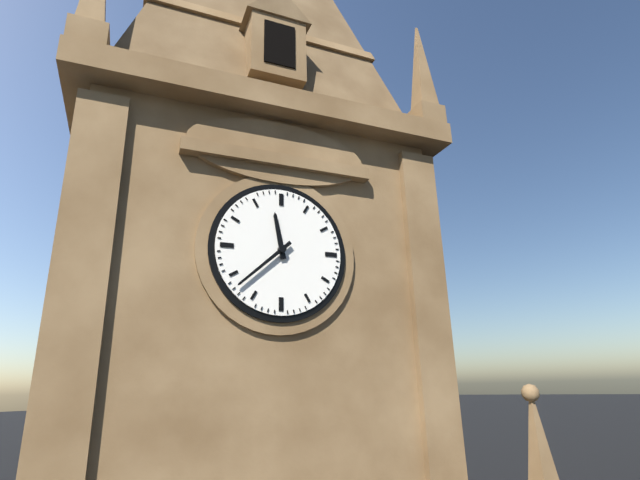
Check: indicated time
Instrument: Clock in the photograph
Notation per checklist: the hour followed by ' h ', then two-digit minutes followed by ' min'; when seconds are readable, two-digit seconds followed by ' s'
11 h 38 min
